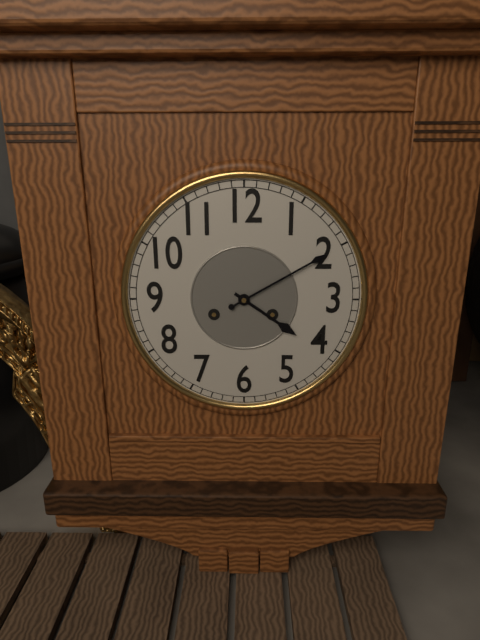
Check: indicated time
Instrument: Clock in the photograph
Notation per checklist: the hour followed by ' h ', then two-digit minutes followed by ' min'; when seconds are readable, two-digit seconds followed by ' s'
4 h 10 min
